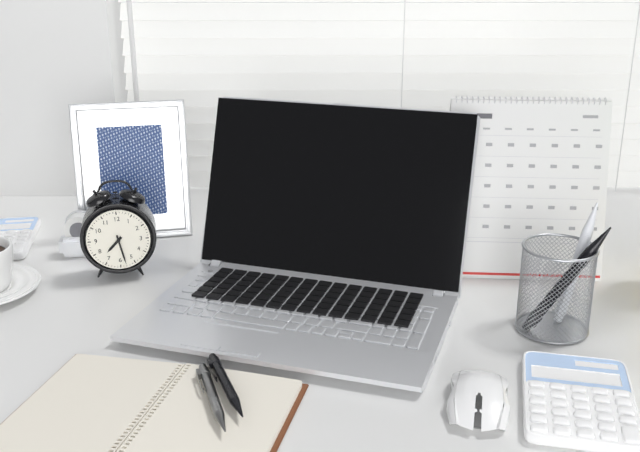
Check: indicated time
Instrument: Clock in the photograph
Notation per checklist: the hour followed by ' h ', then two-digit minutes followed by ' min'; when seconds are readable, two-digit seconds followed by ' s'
7 h 28 min
